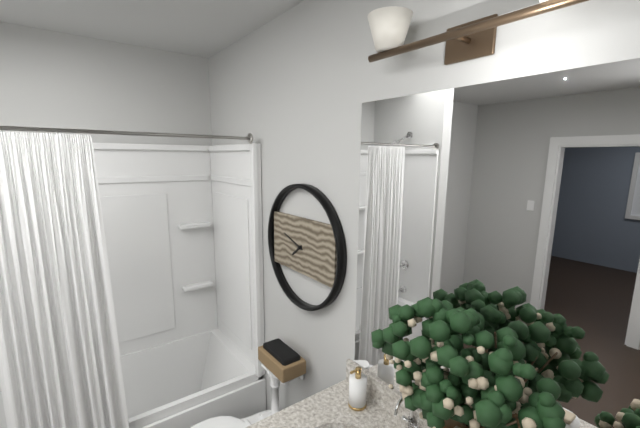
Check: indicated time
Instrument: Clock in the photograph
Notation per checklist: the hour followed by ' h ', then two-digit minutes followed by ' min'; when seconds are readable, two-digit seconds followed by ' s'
7 h 48 min
